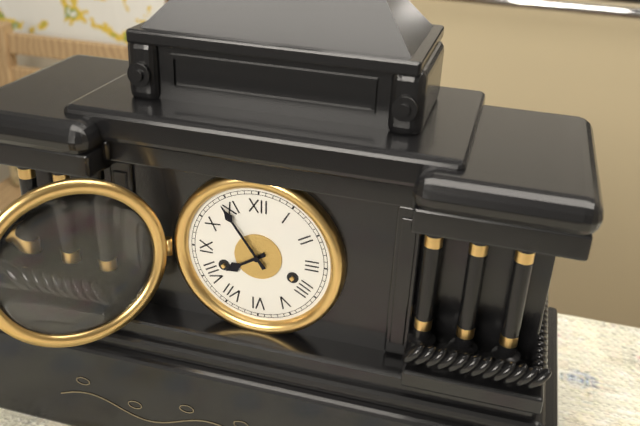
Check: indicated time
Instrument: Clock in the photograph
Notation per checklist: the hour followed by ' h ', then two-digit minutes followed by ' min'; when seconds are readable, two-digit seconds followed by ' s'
7 h 54 min
